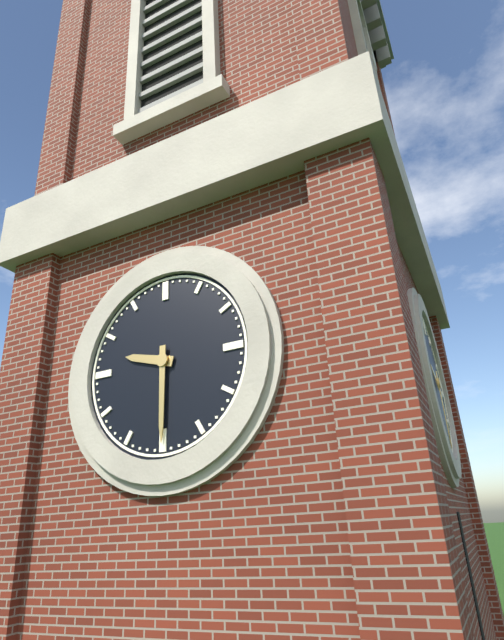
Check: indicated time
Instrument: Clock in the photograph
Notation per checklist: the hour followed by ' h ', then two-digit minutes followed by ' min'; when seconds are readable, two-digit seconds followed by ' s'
9 h 30 min
